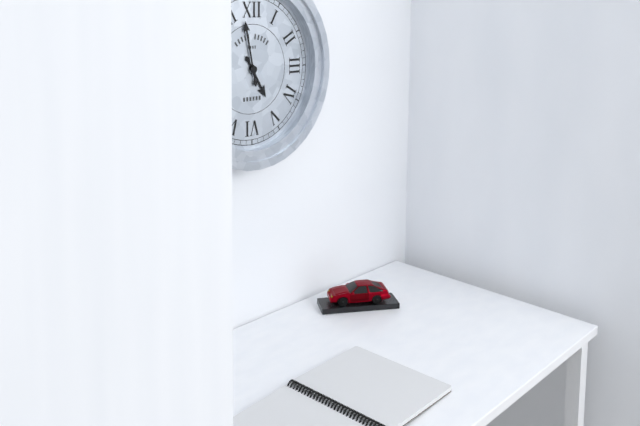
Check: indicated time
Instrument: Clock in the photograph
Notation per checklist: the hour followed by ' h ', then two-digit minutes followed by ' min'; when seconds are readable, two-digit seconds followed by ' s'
4 h 58 min
